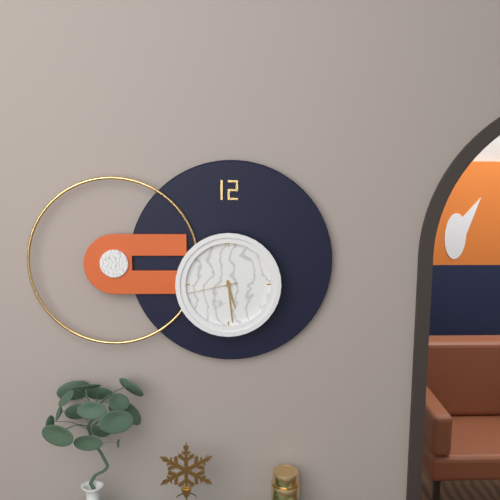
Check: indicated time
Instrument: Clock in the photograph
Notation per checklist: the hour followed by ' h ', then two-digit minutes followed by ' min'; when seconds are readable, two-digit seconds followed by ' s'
5 h 29 min 43 s
